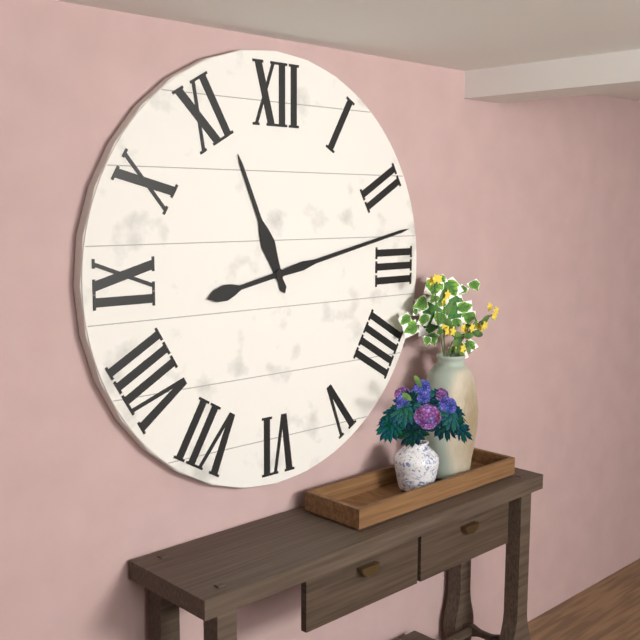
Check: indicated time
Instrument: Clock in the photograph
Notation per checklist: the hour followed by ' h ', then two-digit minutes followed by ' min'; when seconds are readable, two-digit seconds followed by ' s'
11 h 13 min
